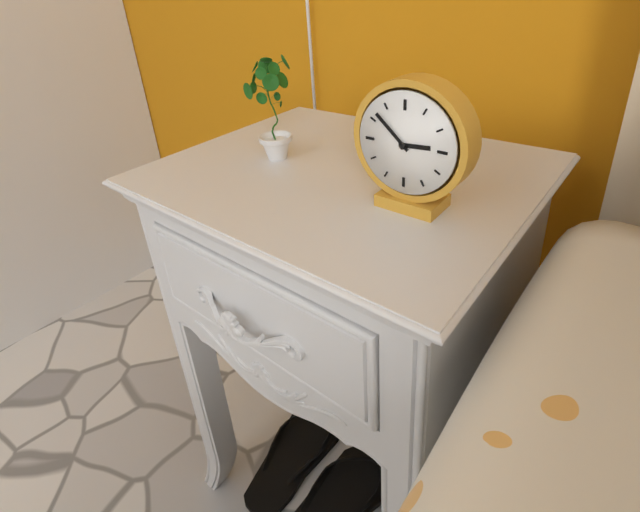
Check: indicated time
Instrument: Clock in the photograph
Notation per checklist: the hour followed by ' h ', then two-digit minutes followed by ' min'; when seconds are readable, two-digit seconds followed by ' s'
2 h 52 min
